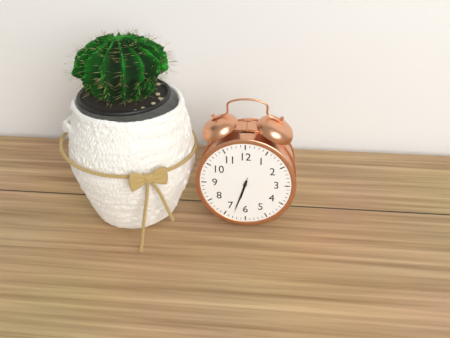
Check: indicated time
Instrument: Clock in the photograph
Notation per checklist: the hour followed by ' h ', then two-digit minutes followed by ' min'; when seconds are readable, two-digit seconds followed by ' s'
6 h 33 min
